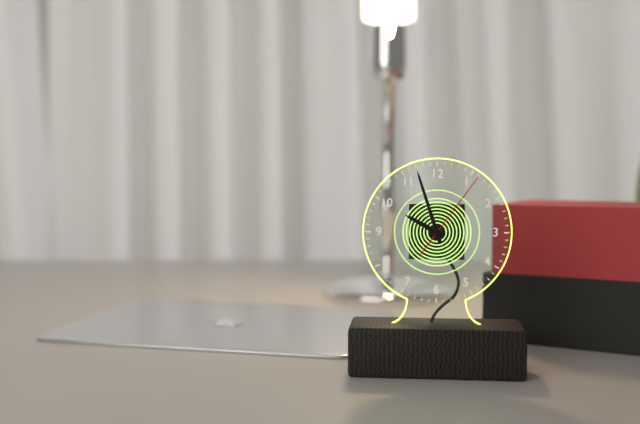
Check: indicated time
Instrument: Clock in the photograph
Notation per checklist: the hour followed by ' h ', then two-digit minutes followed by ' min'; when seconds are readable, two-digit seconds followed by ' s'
9 h 57 min 06 s
